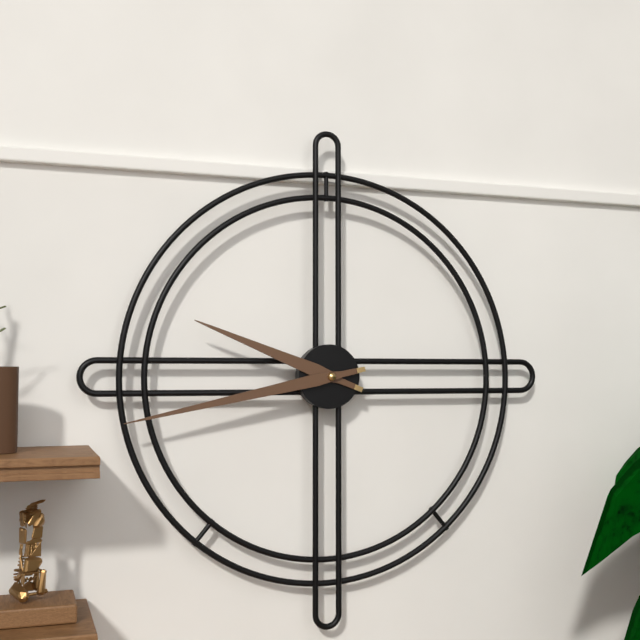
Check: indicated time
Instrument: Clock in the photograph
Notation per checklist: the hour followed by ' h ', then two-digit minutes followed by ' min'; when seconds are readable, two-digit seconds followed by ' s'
9 h 43 min
